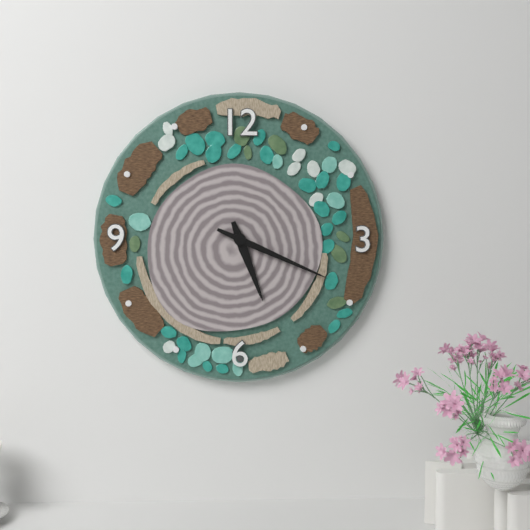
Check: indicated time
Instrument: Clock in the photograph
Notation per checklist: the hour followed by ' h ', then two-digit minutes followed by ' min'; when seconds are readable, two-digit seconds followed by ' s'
5 h 19 min
